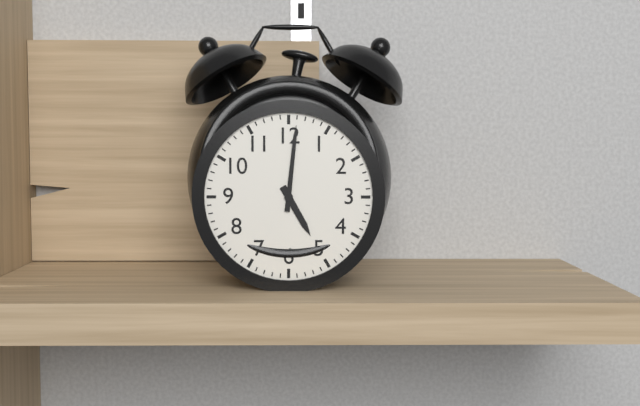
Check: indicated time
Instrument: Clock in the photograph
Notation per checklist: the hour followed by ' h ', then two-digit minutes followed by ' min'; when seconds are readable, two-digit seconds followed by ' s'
5 h 01 min
